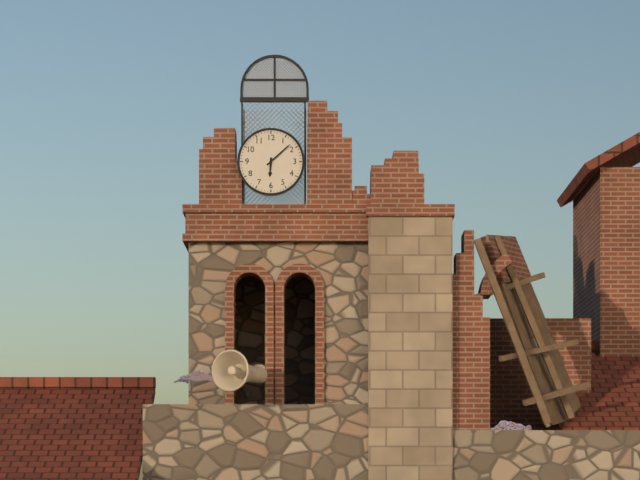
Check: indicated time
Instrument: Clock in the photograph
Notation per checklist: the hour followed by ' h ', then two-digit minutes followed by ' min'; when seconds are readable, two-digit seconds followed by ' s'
6 h 08 min
